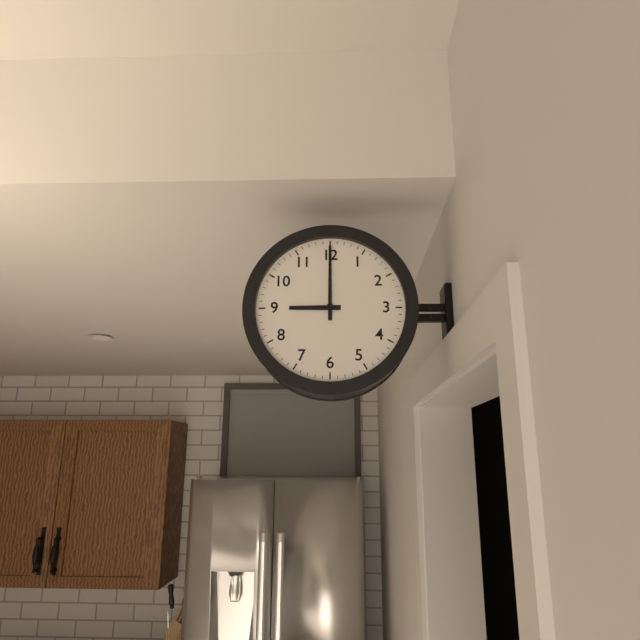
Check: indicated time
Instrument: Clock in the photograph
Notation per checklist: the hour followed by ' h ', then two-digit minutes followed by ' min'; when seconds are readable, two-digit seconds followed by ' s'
9 h 00 min
